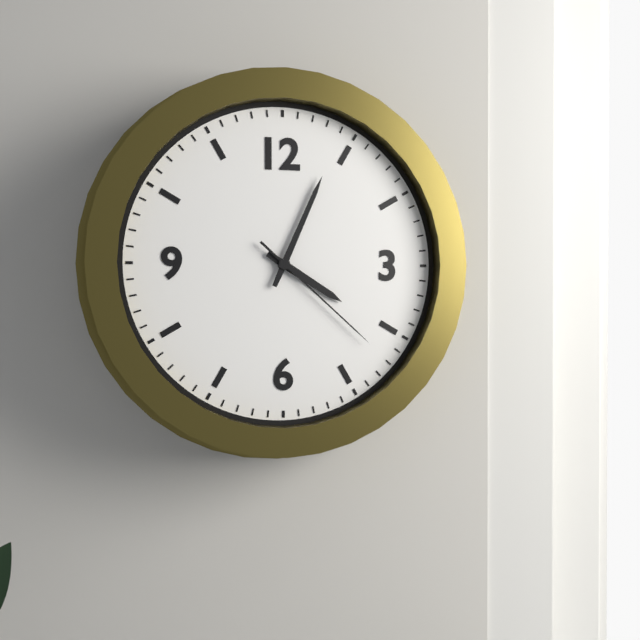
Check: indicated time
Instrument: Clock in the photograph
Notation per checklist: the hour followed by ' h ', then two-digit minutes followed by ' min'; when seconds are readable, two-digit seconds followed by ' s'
4 h 04 min 22 s
